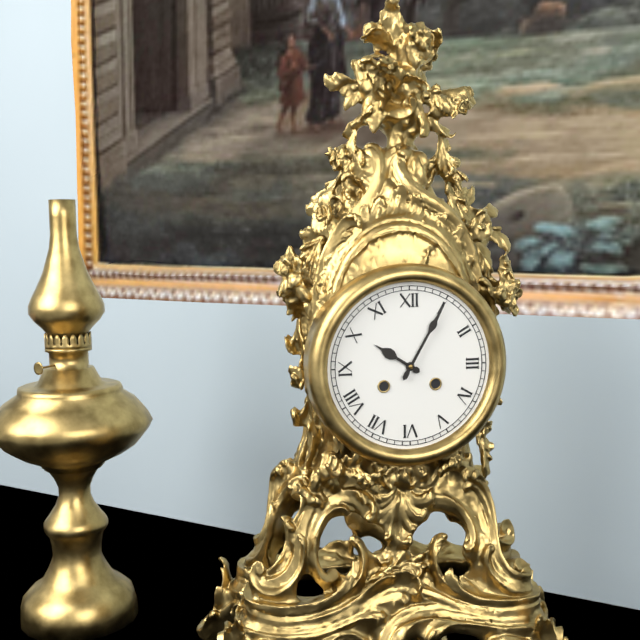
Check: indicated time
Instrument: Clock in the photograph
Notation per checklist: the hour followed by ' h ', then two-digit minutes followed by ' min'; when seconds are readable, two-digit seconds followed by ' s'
10 h 05 min
